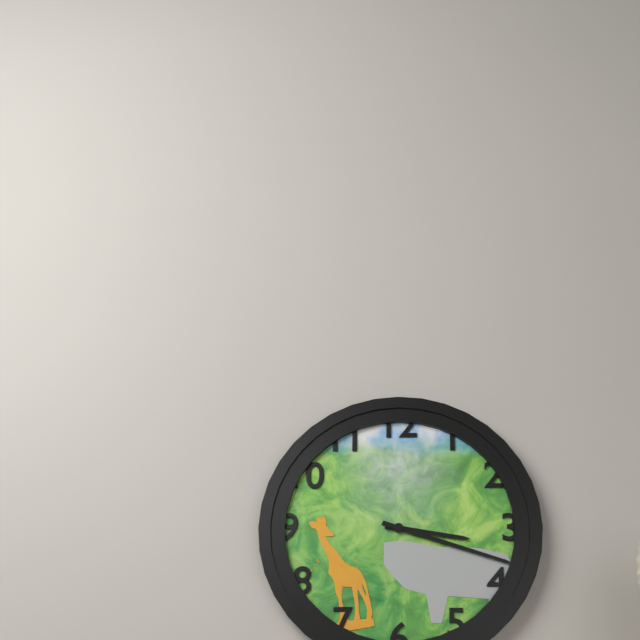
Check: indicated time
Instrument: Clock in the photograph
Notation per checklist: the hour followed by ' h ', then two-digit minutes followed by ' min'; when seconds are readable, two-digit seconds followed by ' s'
3 h 18 min
